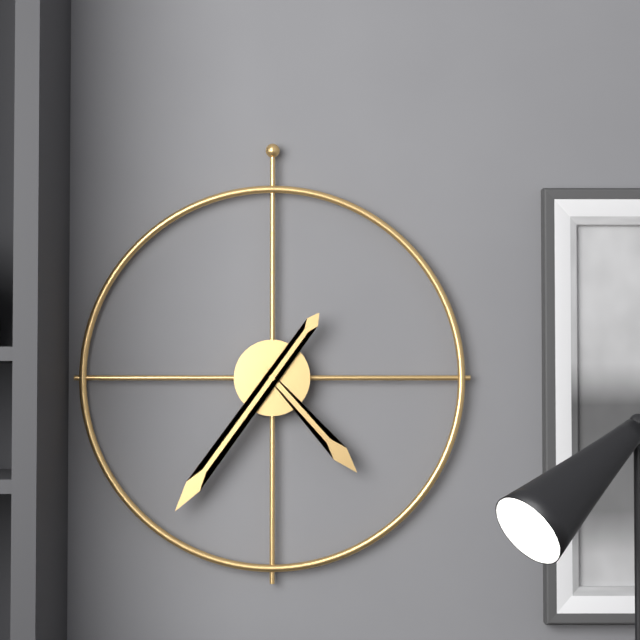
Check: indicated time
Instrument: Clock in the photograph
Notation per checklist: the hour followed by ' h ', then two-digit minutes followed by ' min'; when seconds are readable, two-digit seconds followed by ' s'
4 h 36 min
